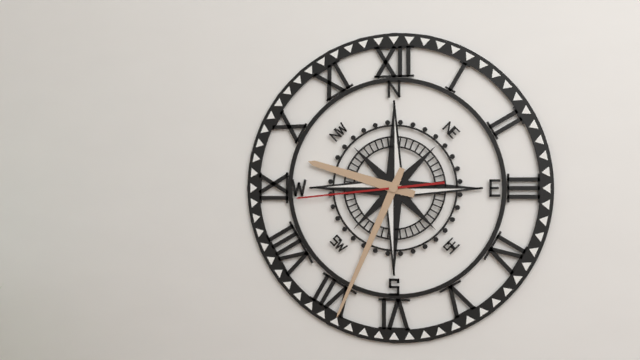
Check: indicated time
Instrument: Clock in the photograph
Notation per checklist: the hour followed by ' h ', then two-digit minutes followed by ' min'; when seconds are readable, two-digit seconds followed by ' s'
9 h 34 min 44 s
